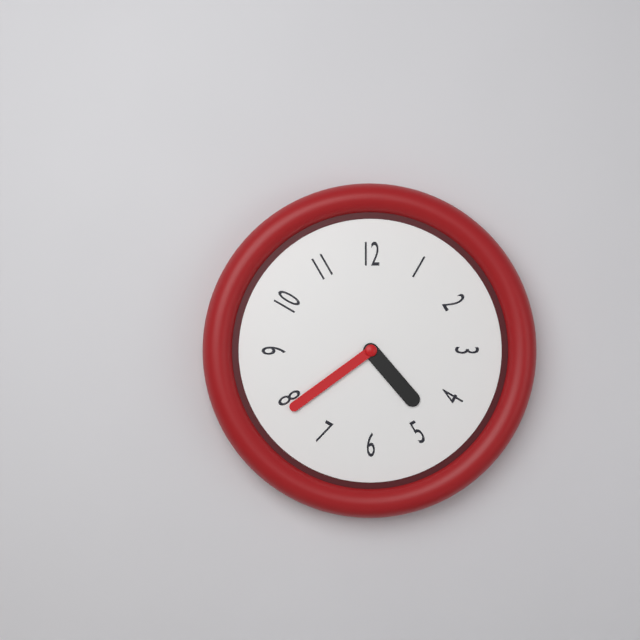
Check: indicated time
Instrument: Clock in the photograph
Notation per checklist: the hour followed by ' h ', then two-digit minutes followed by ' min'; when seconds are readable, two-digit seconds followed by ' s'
4 h 39 min
